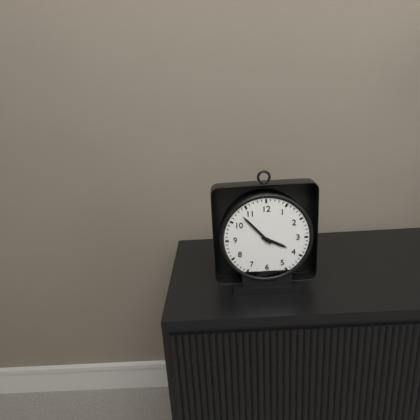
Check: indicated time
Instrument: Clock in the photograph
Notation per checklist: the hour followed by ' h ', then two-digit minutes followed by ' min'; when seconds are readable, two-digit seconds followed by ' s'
3 h 53 min
